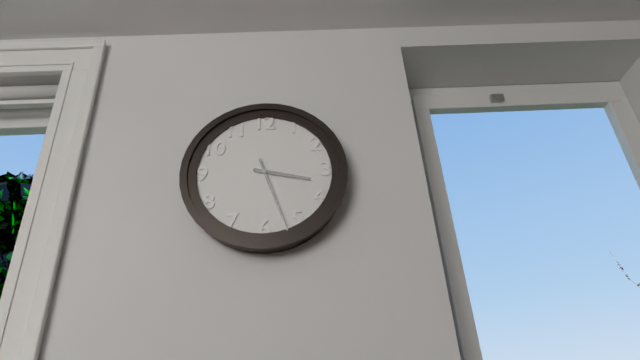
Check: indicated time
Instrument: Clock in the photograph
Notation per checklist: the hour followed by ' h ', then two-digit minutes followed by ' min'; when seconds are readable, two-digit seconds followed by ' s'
3 h 27 min
